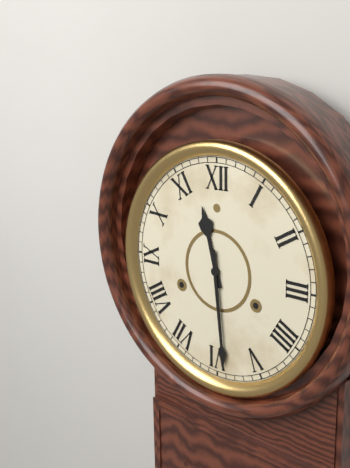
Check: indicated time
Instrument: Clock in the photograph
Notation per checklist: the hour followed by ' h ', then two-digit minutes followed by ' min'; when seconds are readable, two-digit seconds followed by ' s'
11 h 29 min
